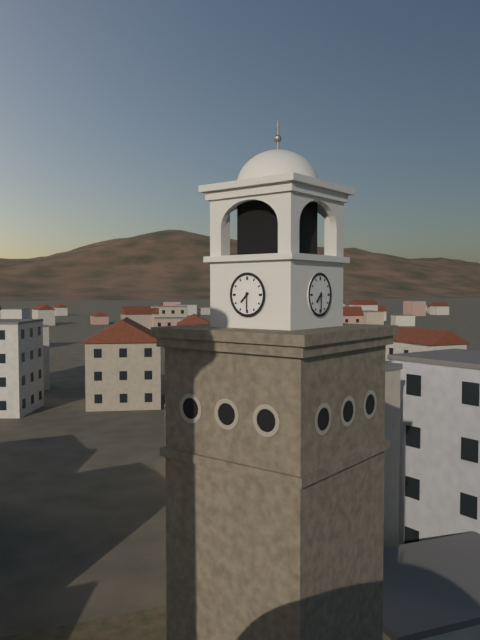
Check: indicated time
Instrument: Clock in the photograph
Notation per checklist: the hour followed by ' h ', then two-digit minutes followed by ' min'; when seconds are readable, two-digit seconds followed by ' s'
7 h 30 min
